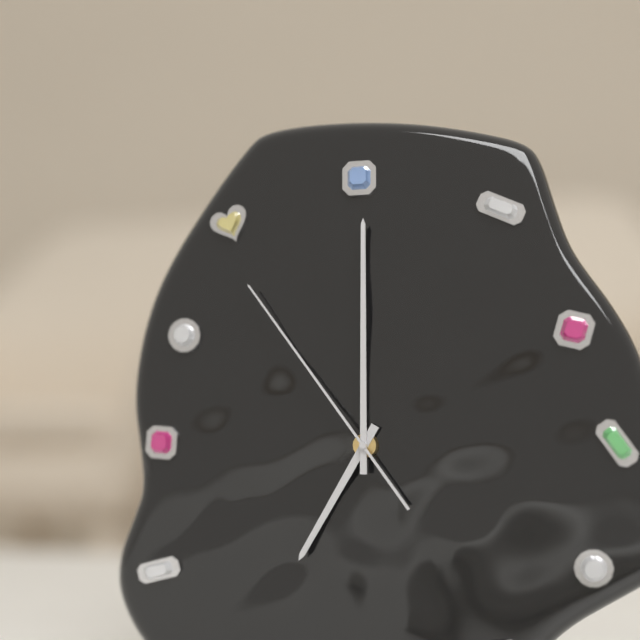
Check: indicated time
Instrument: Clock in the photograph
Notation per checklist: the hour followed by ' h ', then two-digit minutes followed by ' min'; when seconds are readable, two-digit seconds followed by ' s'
7 h 00 min 54 s
